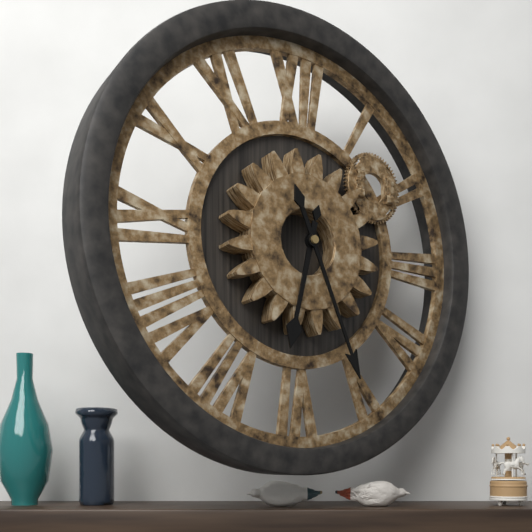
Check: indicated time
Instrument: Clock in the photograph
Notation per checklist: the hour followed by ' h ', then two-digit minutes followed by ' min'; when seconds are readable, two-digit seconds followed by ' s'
6 h 26 min
